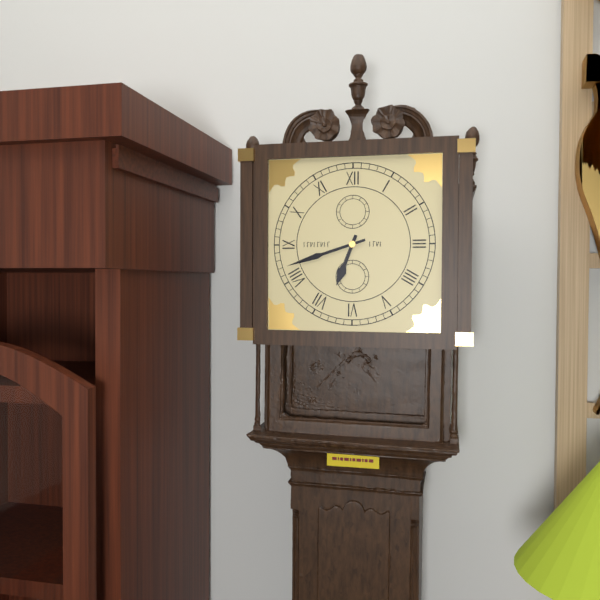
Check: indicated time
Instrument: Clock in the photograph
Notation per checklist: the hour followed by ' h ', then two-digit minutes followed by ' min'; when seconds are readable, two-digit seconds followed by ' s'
6 h 42 min
